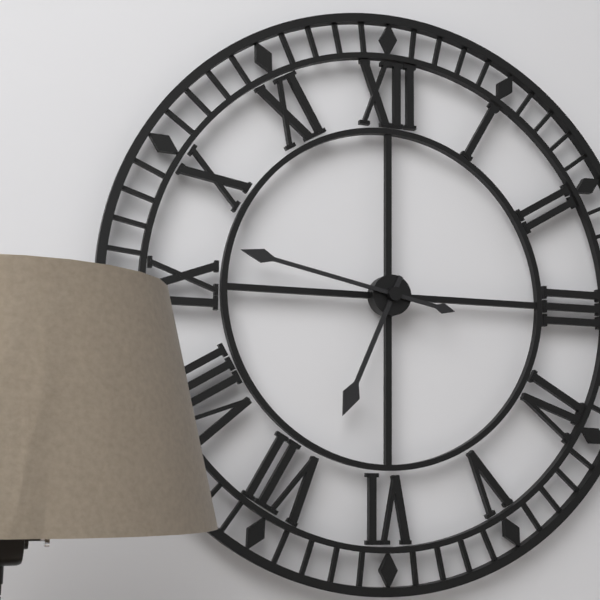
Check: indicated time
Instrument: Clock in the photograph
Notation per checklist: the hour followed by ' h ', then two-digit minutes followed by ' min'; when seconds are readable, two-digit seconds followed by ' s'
6 h 47 min
